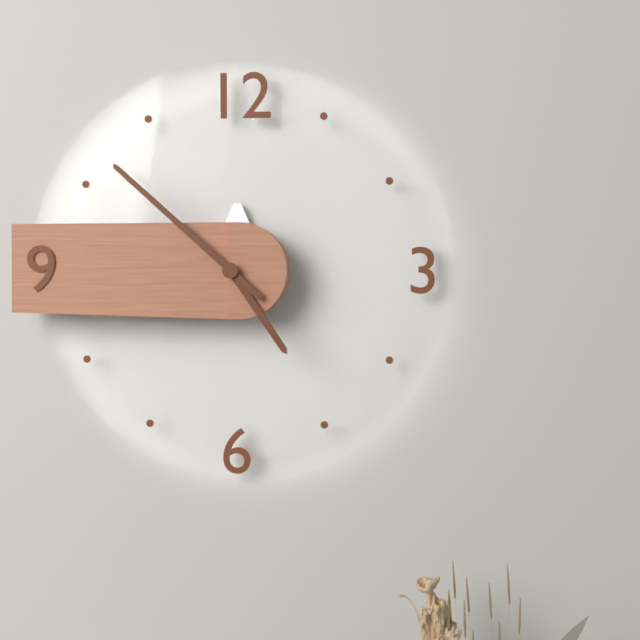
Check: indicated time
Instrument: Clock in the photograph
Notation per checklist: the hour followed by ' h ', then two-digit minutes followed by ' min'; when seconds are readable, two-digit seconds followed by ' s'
4 h 52 min
